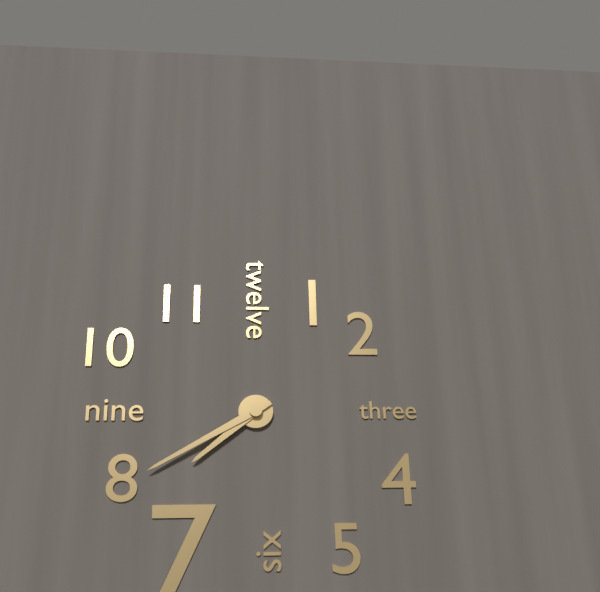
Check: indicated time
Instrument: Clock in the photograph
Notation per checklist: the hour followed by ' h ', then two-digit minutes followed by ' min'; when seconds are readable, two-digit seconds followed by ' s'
7 h 40 min
